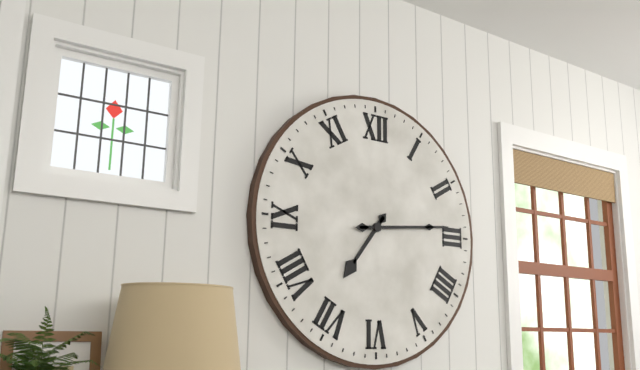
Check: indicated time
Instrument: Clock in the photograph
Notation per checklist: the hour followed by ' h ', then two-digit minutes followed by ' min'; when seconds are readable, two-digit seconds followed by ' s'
7 h 14 min
